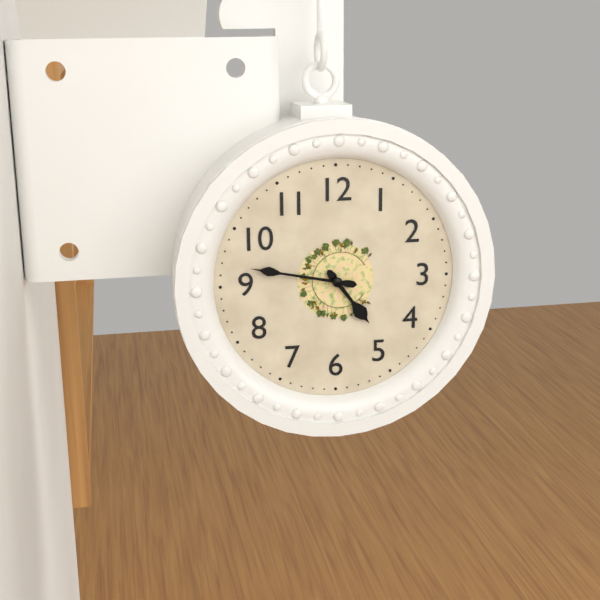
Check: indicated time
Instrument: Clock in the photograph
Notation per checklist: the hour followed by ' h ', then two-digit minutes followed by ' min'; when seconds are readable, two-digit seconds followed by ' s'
4 h 47 min
